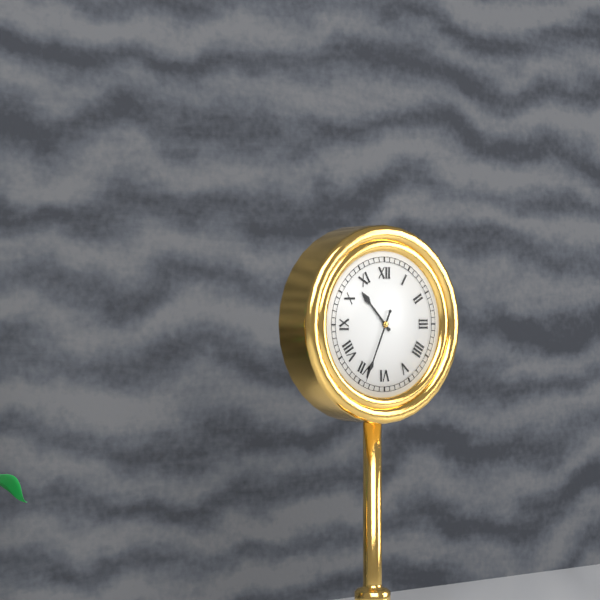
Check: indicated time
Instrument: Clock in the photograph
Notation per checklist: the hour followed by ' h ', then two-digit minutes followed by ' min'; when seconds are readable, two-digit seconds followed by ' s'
10 h 34 min
